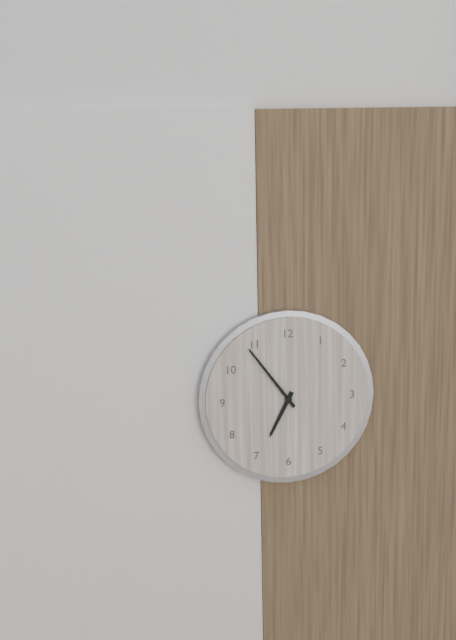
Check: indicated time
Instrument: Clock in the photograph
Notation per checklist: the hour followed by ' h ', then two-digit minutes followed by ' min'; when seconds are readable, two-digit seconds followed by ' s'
6 h 54 min
